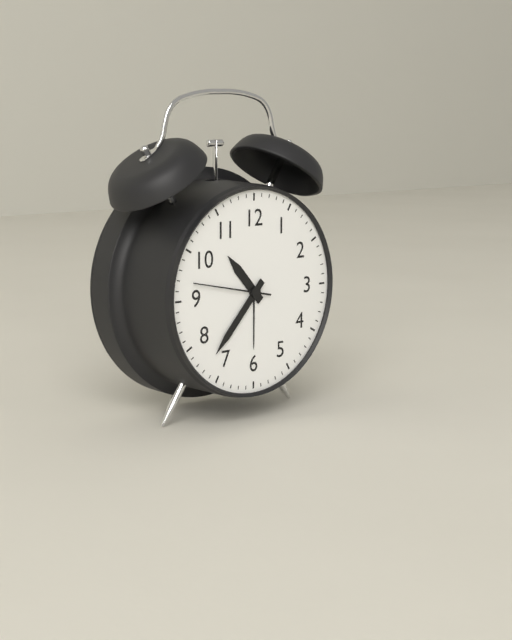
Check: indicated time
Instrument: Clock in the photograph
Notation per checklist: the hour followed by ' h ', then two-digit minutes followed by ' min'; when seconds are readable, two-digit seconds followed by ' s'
10 h 37 min
